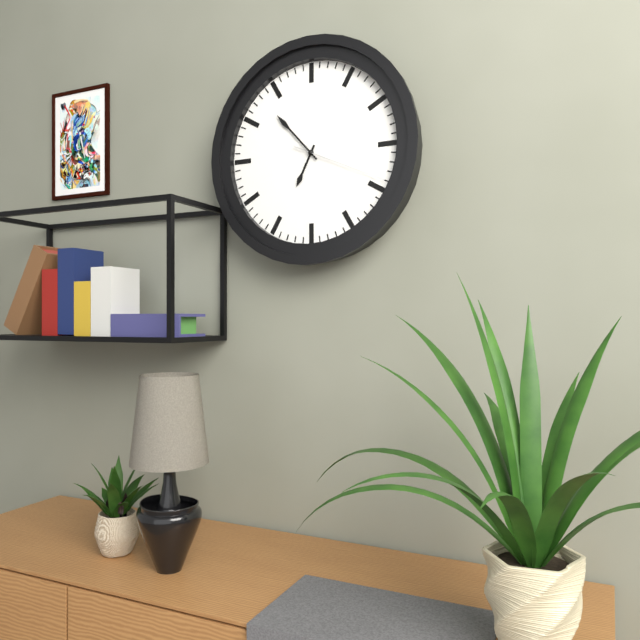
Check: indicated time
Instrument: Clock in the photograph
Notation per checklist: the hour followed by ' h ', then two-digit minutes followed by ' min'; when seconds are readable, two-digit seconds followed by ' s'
6 h 53 min 19 s
